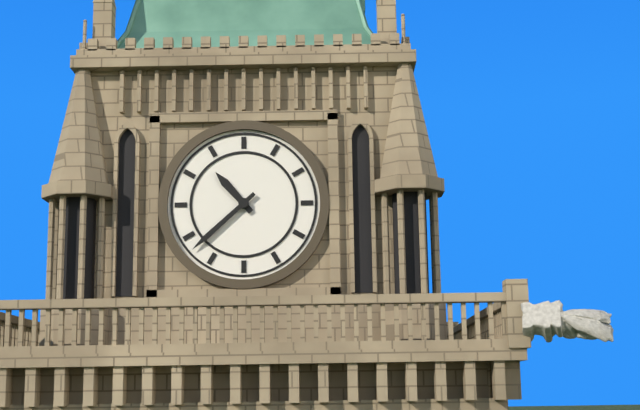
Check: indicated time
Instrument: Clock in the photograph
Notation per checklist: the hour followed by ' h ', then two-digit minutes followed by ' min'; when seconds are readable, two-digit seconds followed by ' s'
10 h 38 min
